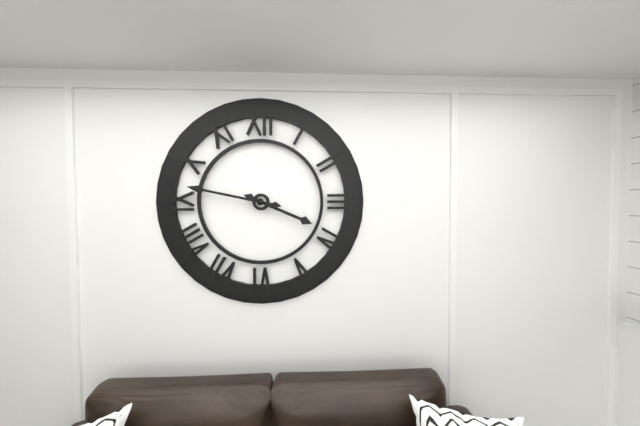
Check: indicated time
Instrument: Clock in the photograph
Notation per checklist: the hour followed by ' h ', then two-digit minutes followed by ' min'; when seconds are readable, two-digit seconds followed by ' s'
3 h 47 min
